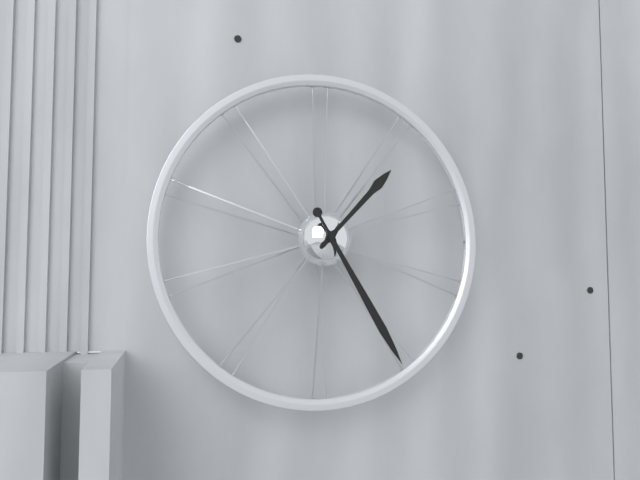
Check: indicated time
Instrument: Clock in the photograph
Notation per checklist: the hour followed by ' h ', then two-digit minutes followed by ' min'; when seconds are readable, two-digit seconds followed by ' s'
1 h 25 min
